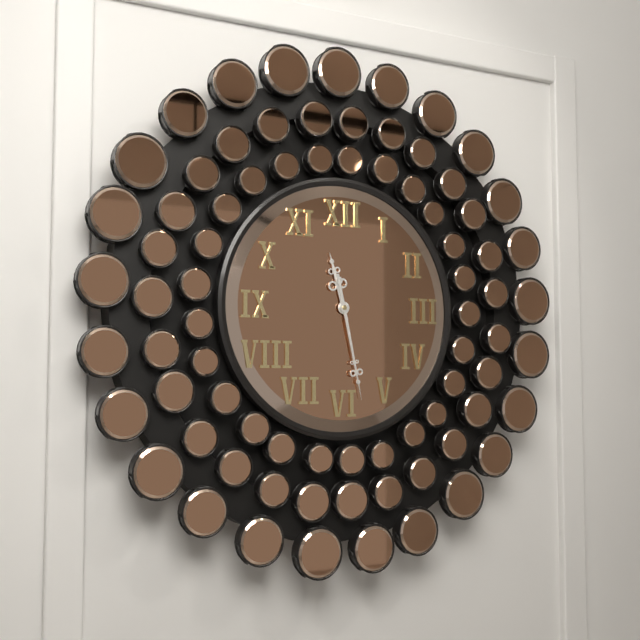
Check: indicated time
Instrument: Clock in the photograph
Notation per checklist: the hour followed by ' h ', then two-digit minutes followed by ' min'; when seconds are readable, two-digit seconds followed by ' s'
11 h 28 min
